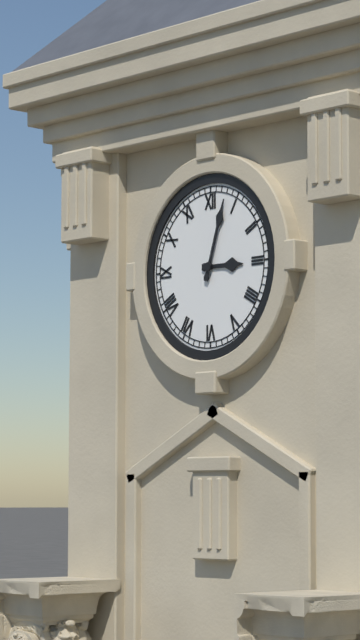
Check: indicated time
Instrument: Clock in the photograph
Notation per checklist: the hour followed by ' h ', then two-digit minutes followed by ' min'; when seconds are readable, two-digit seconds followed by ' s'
3 h 03 min
